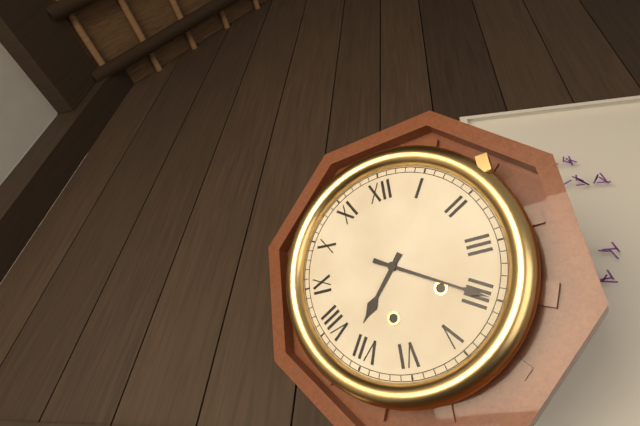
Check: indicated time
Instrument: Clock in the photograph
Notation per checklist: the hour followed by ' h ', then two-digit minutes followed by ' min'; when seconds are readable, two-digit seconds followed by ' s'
7 h 20 min
